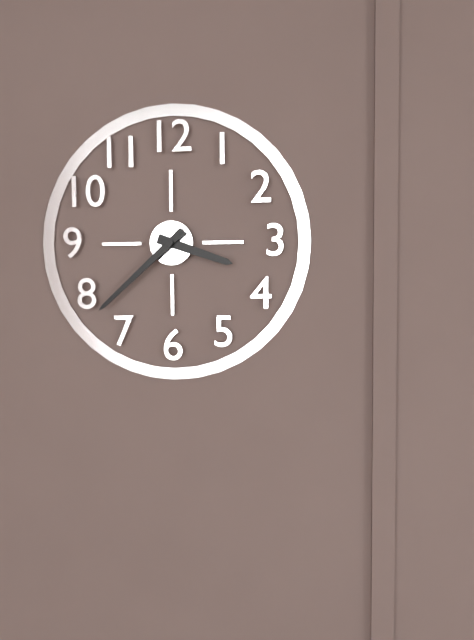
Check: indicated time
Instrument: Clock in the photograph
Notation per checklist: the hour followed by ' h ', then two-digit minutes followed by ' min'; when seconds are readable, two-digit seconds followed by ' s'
3 h 38 min
